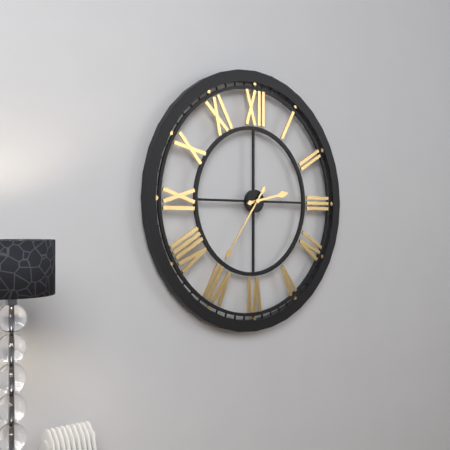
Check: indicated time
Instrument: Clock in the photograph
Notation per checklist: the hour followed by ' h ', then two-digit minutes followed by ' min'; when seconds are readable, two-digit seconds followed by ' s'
2 h 36 min
